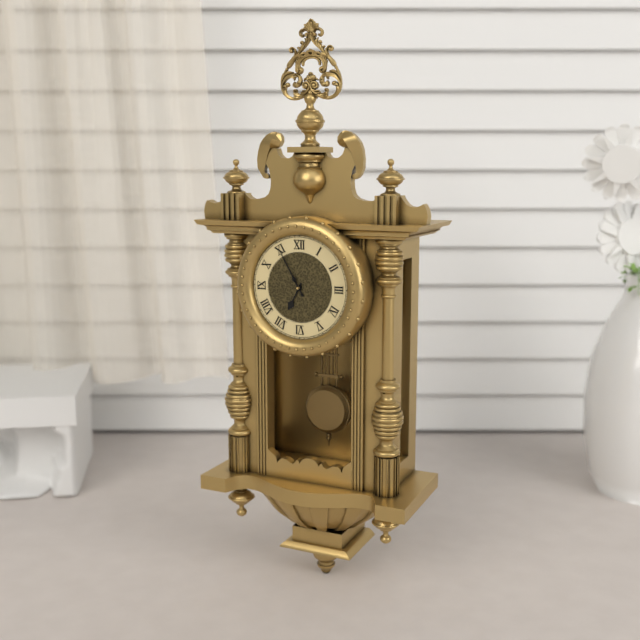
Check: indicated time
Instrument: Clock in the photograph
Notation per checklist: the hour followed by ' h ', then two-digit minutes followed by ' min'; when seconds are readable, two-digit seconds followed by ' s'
6 h 55 min
